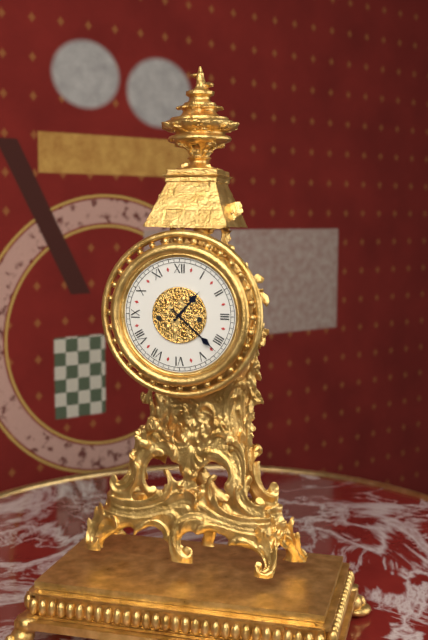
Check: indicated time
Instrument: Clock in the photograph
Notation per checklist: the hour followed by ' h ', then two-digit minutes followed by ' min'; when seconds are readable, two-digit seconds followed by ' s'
1 h 22 min
